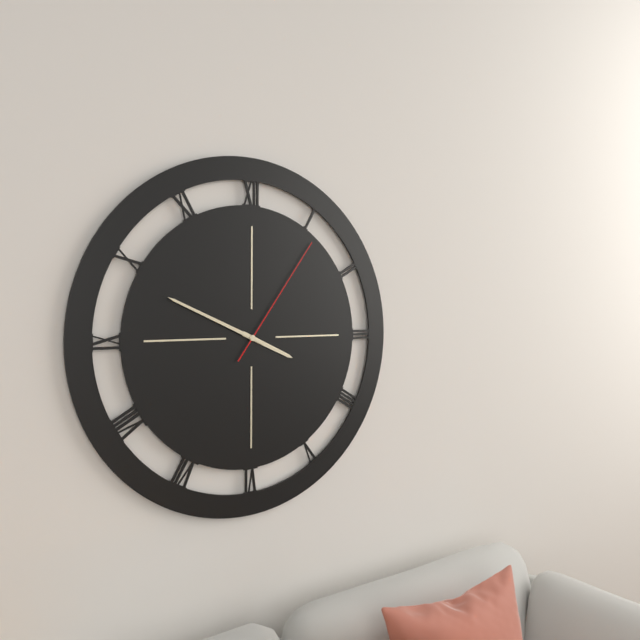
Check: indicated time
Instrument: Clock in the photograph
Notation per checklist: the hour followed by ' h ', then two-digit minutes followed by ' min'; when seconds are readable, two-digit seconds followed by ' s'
3 h 49 min 06 s
